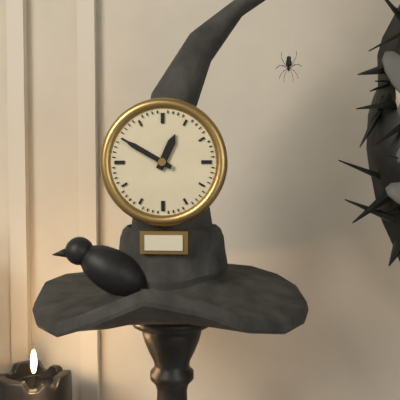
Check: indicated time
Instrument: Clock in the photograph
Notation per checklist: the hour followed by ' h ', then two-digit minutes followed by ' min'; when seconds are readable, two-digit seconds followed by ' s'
12 h 50 min
